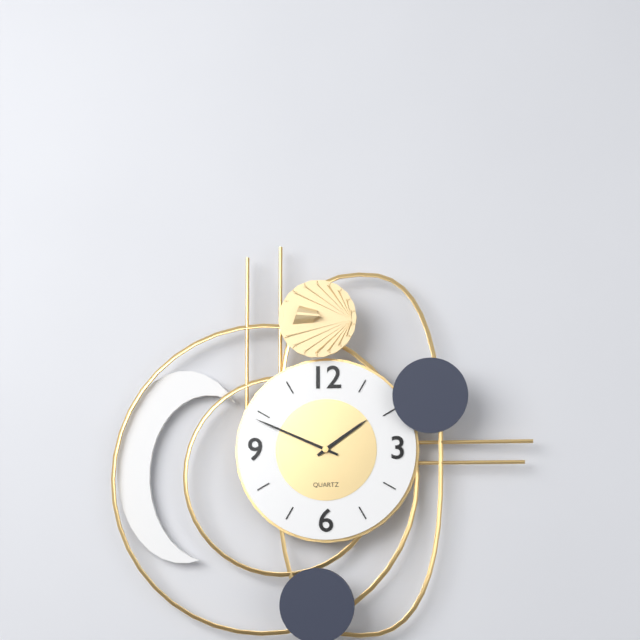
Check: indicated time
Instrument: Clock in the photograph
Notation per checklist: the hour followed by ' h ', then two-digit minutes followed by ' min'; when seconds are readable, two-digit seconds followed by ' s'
1 h 49 min
